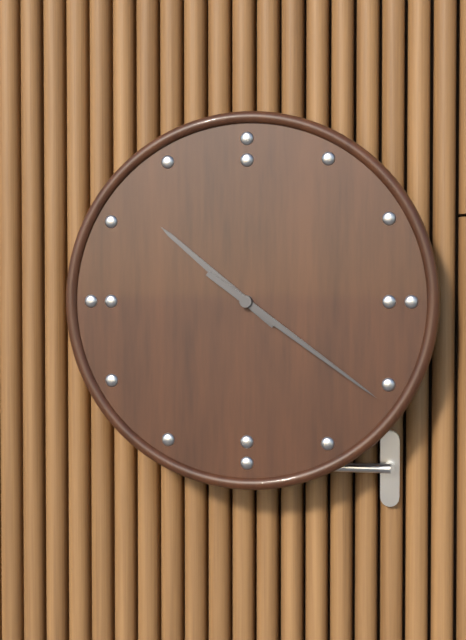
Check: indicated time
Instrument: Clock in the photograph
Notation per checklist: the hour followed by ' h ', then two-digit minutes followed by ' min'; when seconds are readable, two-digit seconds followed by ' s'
10 h 21 min
